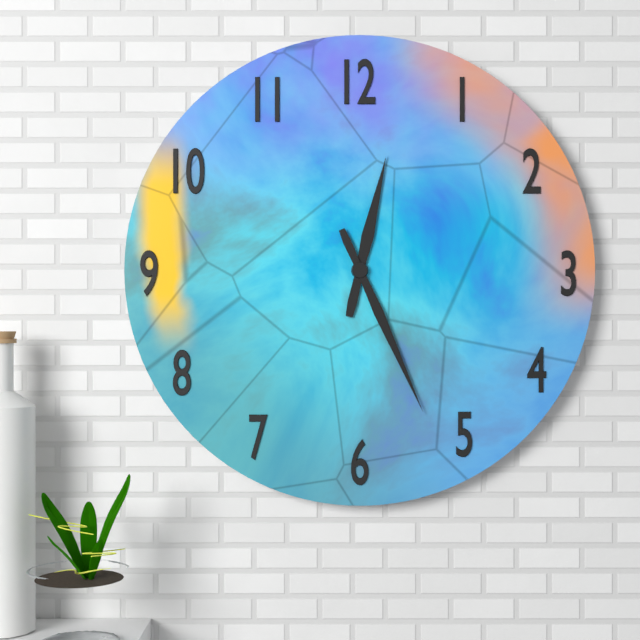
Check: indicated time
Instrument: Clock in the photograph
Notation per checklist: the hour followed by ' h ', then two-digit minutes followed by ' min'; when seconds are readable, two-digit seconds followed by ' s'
12 h 26 min
